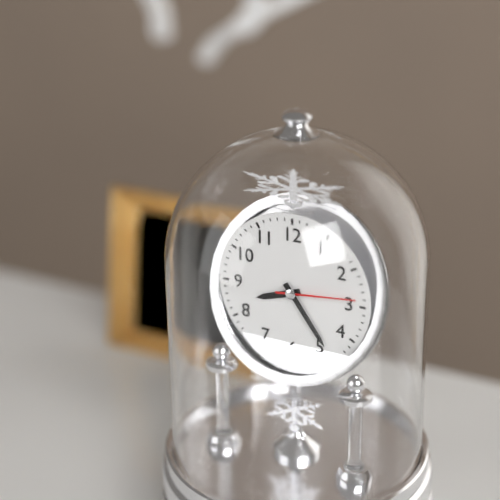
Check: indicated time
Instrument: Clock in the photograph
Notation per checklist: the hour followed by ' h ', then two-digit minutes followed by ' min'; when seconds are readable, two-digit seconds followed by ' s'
8 h 24 min 14 s
